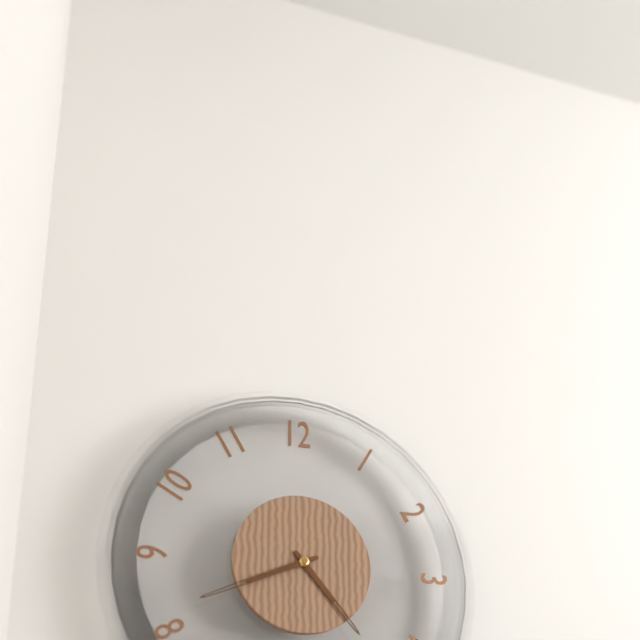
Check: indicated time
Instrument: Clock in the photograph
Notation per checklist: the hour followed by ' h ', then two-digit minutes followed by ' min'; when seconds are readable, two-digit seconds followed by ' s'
4 h 41 min
